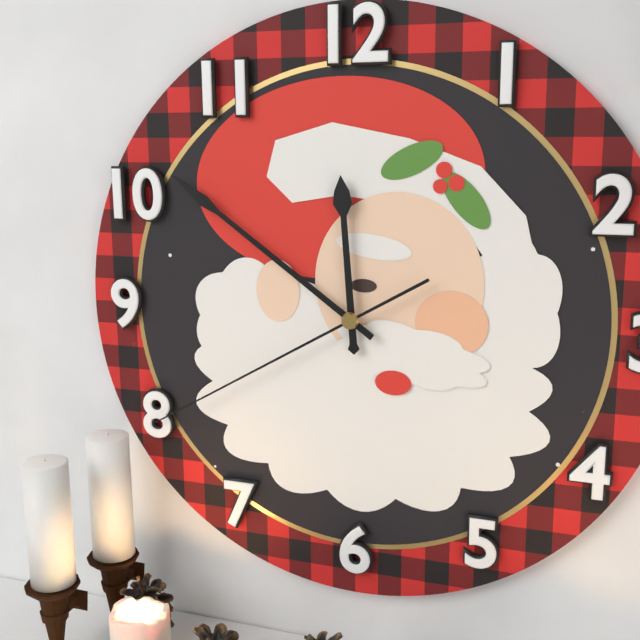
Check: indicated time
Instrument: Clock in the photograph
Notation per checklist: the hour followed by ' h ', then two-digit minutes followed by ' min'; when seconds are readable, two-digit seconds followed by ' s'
11 h 51 min 40 s
